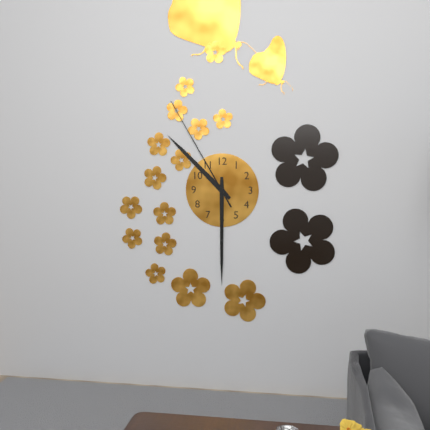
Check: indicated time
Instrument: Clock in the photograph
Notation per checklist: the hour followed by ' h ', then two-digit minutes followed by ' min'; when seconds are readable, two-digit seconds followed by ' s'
10 h 30 min 55 s
